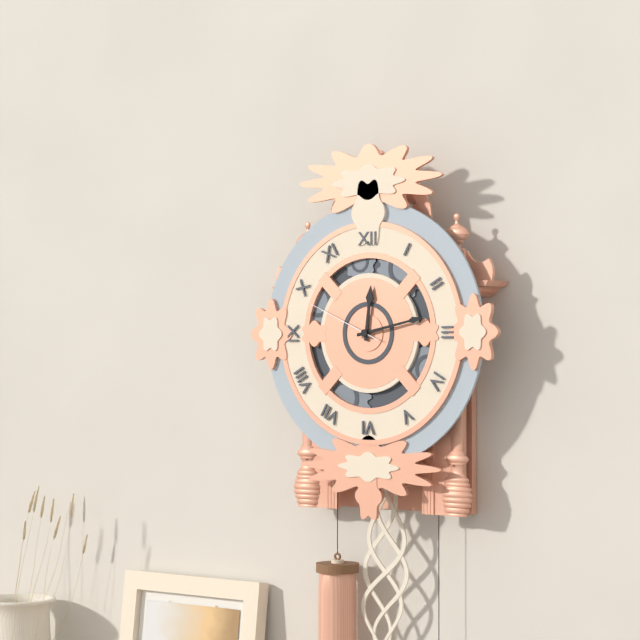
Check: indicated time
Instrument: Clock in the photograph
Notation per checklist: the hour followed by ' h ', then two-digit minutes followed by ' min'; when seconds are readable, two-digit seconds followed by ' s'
12 h 13 min 49 s
